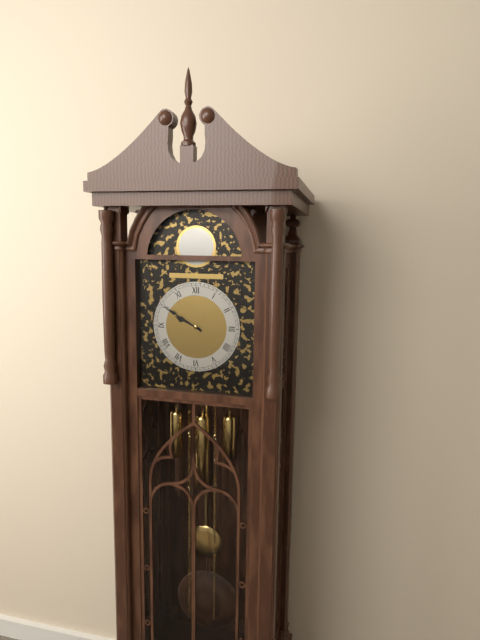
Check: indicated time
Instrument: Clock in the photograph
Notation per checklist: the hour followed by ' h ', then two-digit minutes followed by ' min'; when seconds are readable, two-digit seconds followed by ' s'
9 h 50 min
